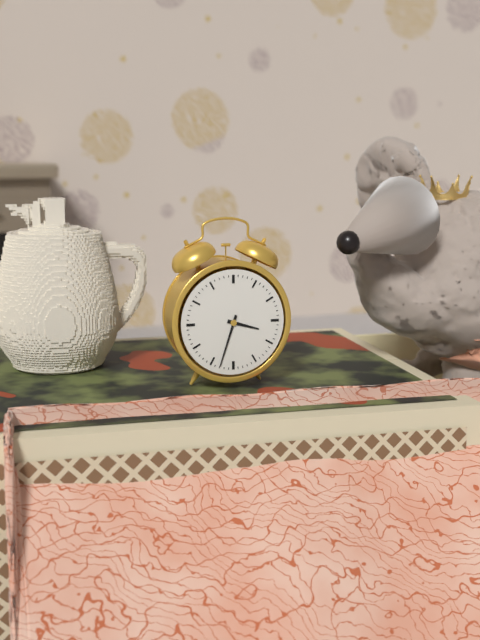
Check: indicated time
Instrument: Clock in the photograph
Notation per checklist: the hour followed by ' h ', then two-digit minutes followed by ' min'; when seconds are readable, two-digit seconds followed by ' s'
3 h 33 min
